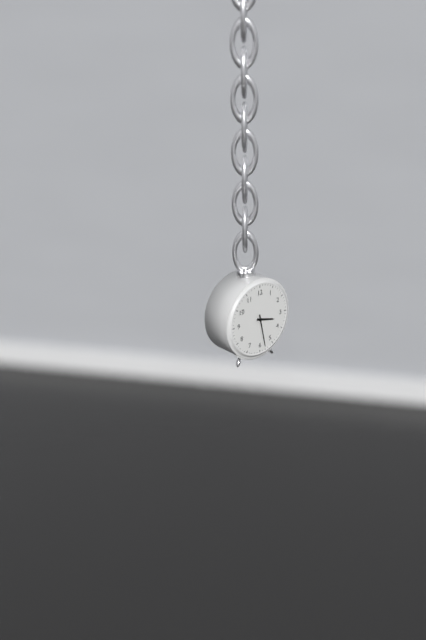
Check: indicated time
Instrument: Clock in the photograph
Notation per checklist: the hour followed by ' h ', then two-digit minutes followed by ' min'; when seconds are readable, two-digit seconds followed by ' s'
3 h 28 min
